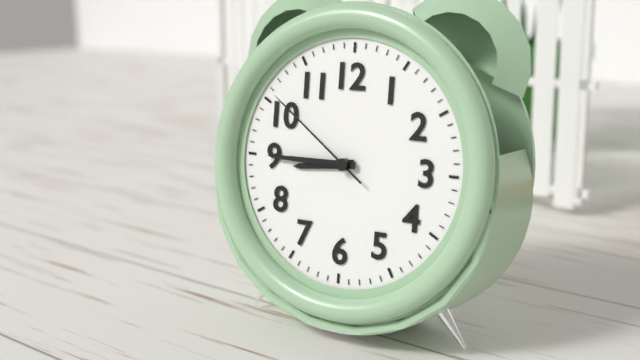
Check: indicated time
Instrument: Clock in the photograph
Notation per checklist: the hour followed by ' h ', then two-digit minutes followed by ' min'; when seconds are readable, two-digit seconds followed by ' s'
8 h 45 min 51 s
